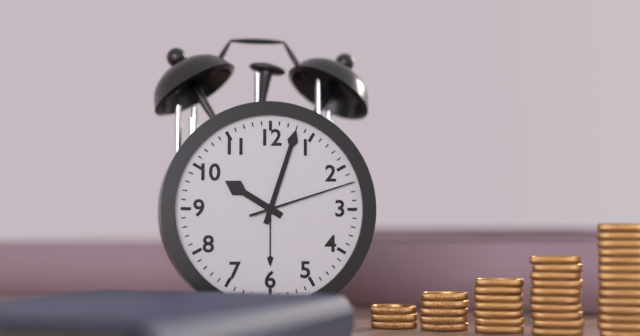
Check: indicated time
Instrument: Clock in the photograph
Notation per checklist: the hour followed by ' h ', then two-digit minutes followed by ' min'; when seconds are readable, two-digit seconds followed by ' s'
10 h 03 min 12 s
